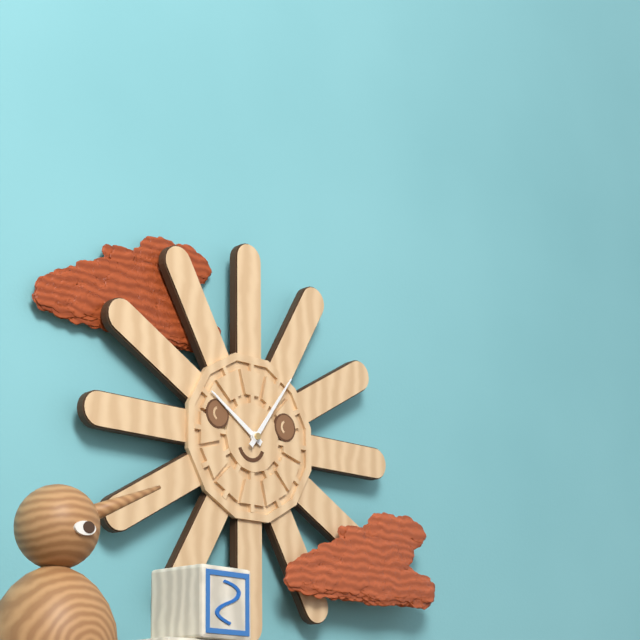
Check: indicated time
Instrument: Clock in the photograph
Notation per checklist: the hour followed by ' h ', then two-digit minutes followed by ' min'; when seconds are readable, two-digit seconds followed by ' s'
10 h 06 min
